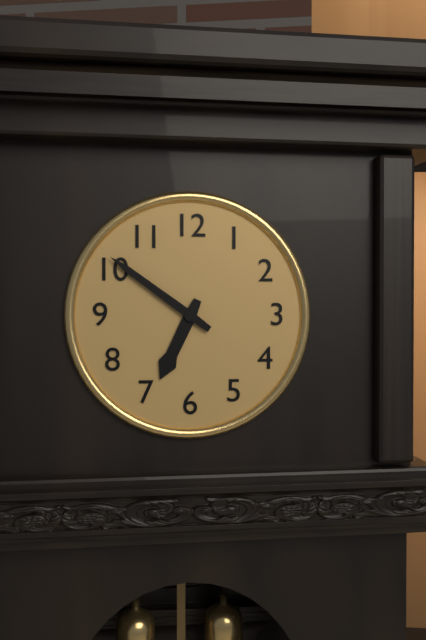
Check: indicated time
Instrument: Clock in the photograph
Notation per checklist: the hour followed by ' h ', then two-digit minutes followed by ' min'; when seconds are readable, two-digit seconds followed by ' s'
6 h 51 min
